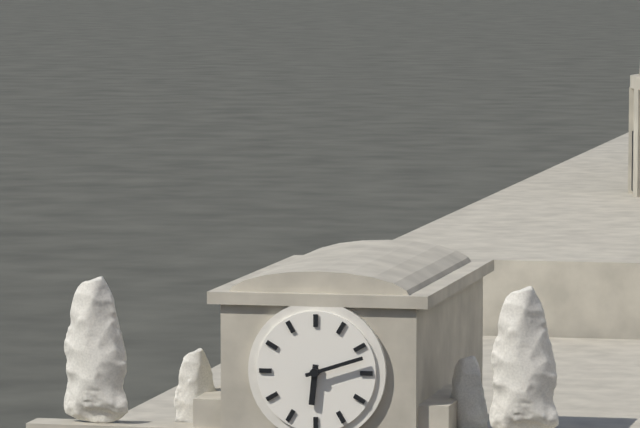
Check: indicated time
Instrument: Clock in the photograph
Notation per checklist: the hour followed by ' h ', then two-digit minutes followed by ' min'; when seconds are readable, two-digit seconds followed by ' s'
6 h 12 min
